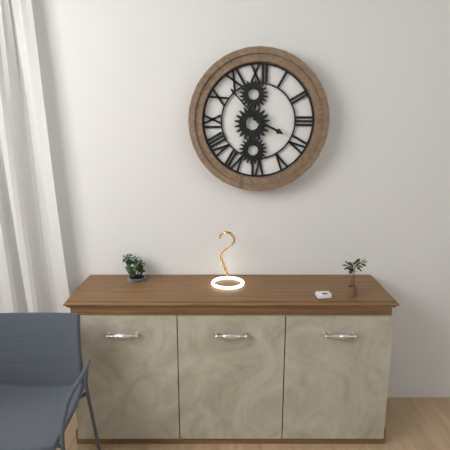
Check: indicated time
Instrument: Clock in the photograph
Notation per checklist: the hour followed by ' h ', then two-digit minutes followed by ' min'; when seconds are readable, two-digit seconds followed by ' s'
3 h 53 min
